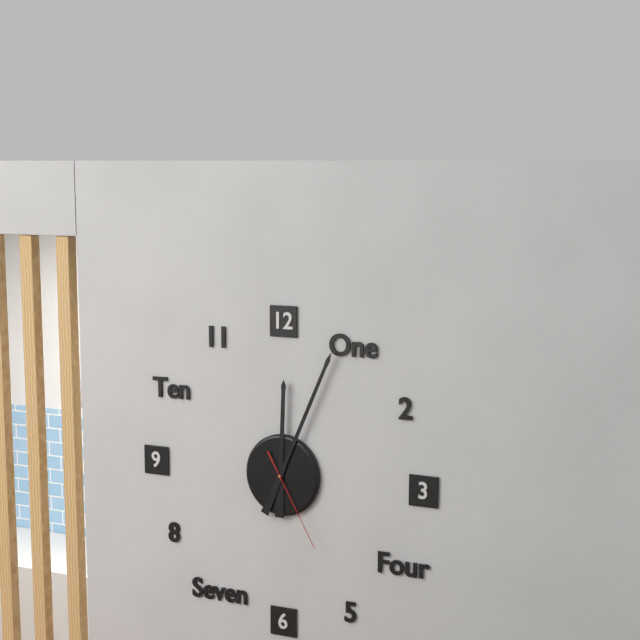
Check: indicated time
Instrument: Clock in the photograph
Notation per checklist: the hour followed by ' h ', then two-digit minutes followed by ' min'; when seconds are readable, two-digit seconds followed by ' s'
12 h 04 min 25 s
